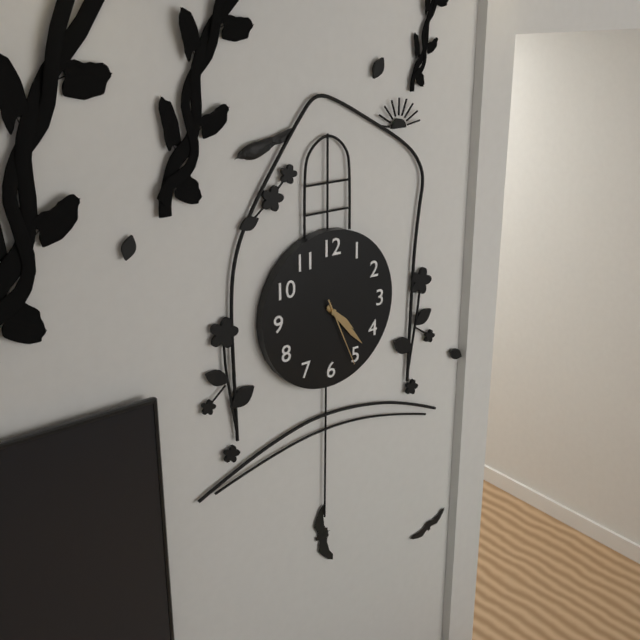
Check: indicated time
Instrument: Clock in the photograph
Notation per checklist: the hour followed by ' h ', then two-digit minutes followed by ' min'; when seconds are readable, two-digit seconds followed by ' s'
4 h 23 min 26 s
